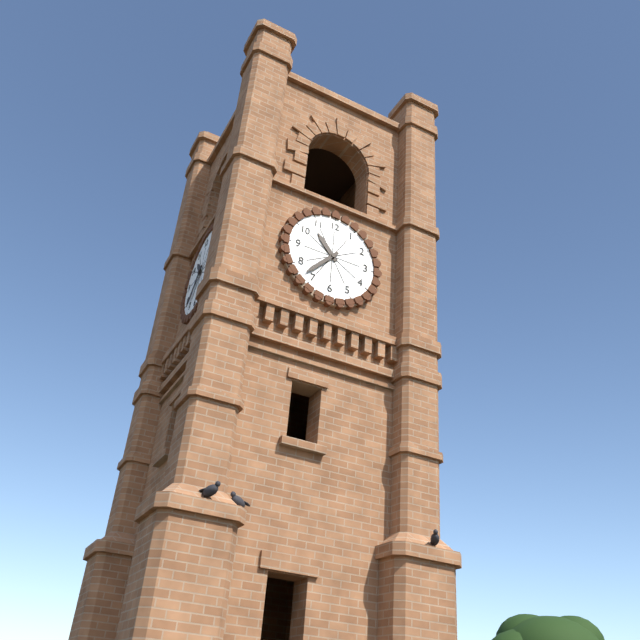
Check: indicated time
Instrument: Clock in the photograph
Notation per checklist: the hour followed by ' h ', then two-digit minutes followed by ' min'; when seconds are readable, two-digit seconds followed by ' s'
10 h 37 min
